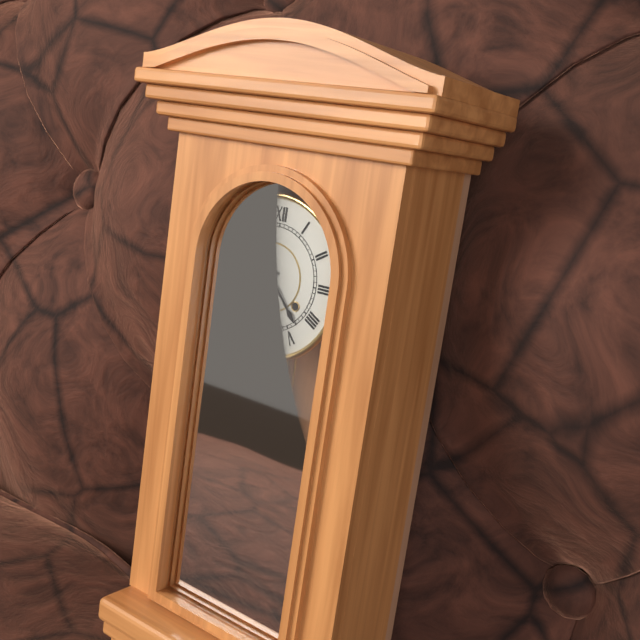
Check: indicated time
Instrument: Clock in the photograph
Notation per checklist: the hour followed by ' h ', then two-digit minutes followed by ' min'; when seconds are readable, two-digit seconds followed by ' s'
7 h 23 min
